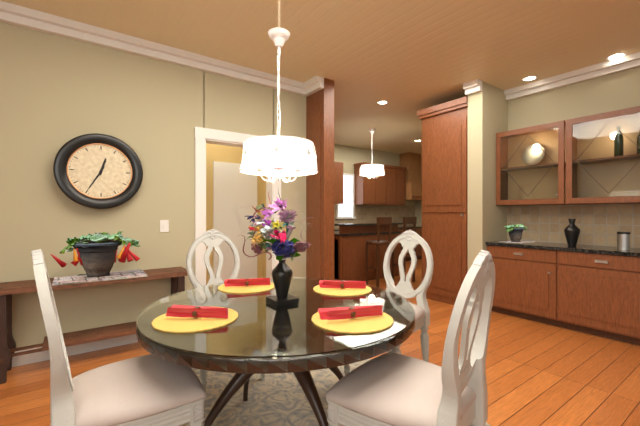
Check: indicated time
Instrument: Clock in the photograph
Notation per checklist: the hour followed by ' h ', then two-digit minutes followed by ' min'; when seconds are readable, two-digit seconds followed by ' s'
12 h 35 min
